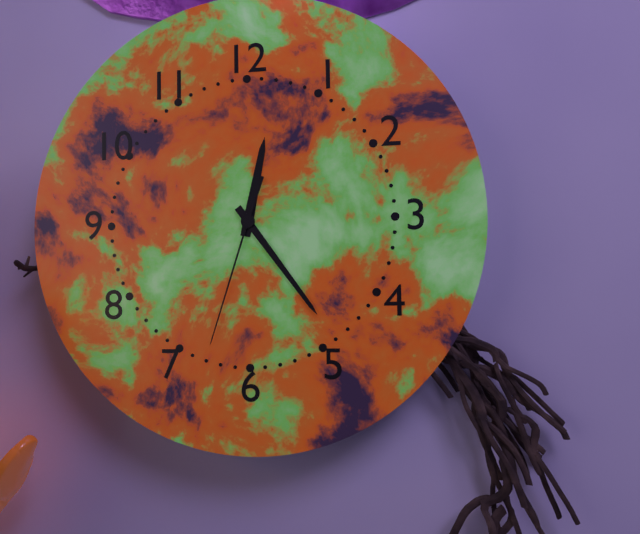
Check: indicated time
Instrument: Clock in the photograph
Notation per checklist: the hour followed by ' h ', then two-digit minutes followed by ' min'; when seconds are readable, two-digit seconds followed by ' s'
12 h 24 min 33 s
